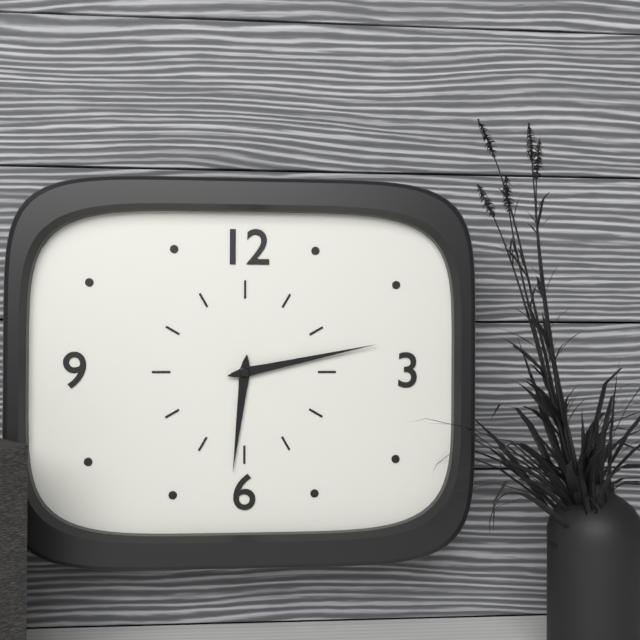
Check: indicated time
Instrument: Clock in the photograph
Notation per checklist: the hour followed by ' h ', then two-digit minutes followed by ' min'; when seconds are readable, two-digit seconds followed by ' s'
6 h 13 min
